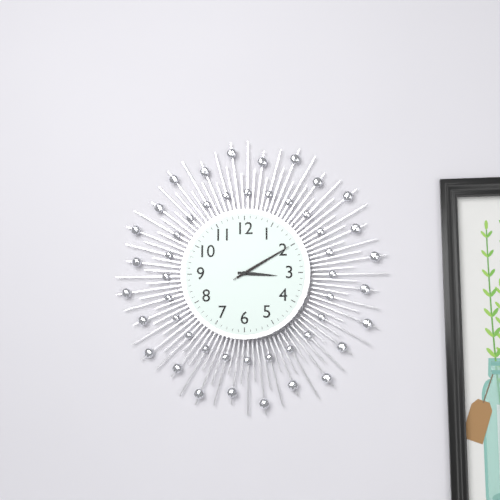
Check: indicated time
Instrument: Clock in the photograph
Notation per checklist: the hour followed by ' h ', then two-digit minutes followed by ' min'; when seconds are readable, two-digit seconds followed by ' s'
3 h 10 min 10 s
